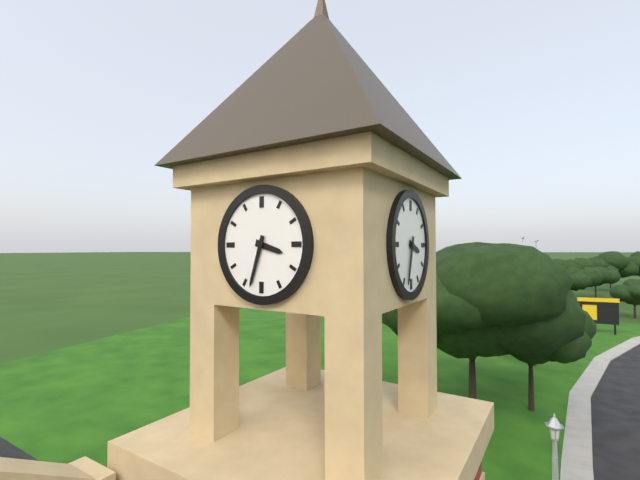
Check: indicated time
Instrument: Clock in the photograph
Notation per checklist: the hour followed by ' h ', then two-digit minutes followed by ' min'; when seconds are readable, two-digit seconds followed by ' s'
3 h 33 min
